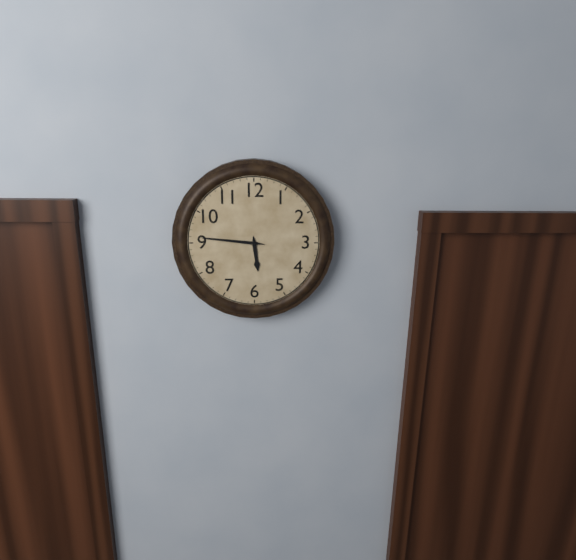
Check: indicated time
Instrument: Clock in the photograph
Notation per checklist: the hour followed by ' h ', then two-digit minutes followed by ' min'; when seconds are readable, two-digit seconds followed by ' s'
5 h 46 min
